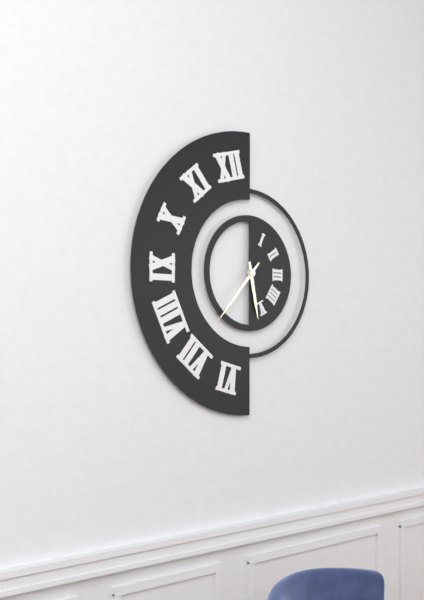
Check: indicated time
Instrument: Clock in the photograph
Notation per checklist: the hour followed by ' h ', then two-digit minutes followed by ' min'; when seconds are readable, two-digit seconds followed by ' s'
5 h 37 min
